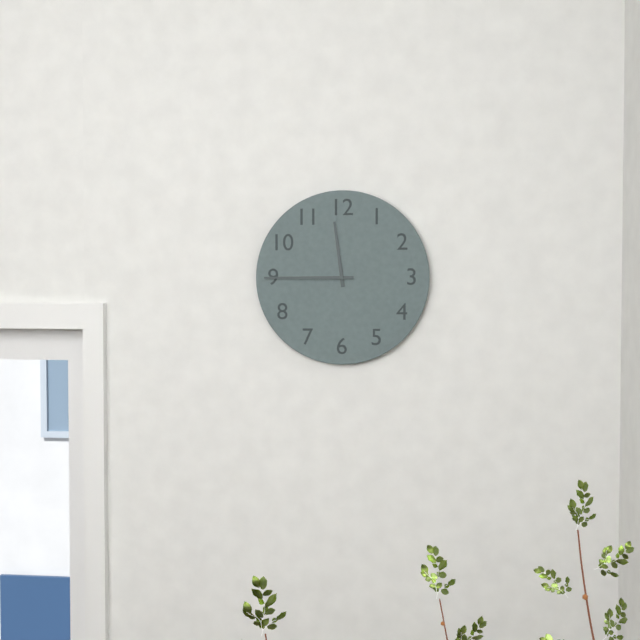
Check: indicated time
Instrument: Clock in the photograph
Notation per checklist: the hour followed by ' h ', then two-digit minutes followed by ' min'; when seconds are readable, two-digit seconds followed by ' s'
11 h 45 min
